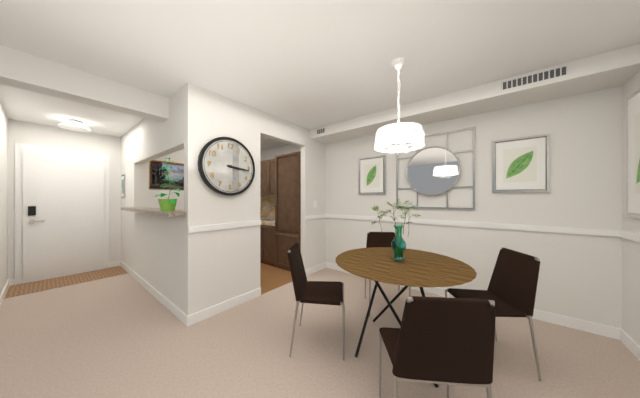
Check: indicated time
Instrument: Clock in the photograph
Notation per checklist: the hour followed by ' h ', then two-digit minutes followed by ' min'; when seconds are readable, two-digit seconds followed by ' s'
3 h 16 min
